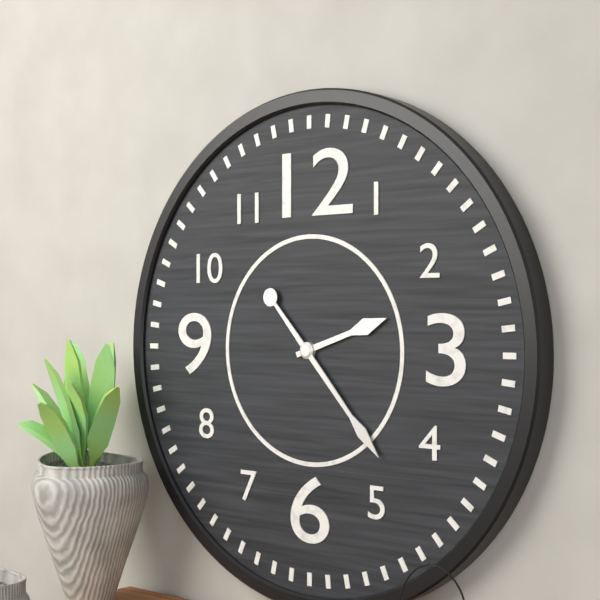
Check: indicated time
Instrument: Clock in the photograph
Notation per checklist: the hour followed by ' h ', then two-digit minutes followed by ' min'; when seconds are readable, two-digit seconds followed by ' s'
2 h 23 min
